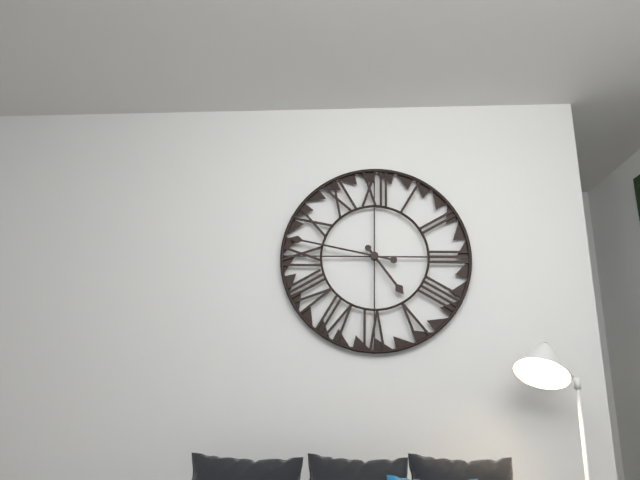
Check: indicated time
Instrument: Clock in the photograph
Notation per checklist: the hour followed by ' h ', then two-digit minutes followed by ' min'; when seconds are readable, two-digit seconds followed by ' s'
4 h 47 min
